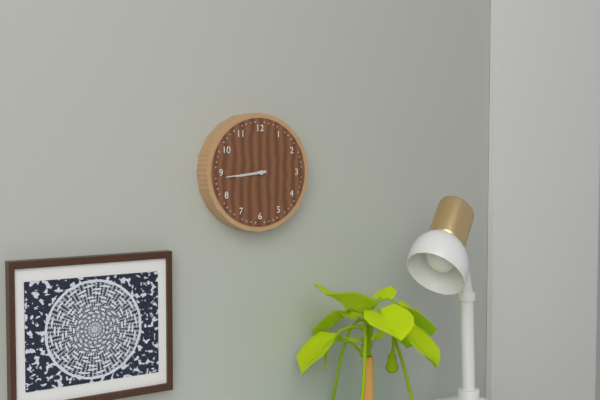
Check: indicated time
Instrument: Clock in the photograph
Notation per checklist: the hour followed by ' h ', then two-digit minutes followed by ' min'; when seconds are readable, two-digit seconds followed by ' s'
8 h 44 min
